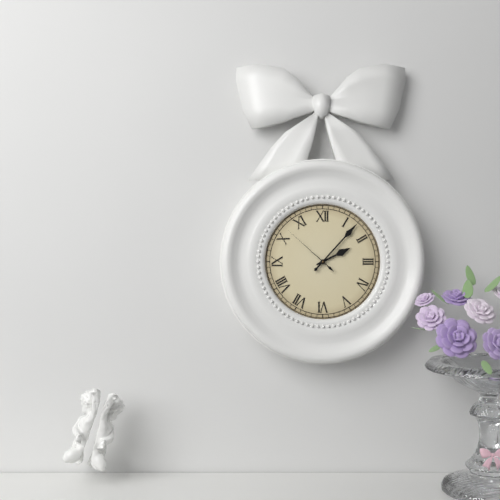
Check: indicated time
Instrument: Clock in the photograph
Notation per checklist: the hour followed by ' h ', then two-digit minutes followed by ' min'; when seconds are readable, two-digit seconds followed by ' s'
2 h 07 min 52 s
